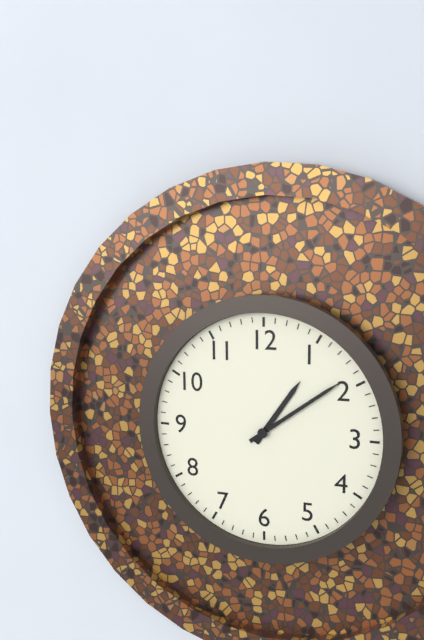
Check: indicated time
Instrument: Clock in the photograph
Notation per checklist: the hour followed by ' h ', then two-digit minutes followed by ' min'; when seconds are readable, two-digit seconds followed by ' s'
1 h 09 min
